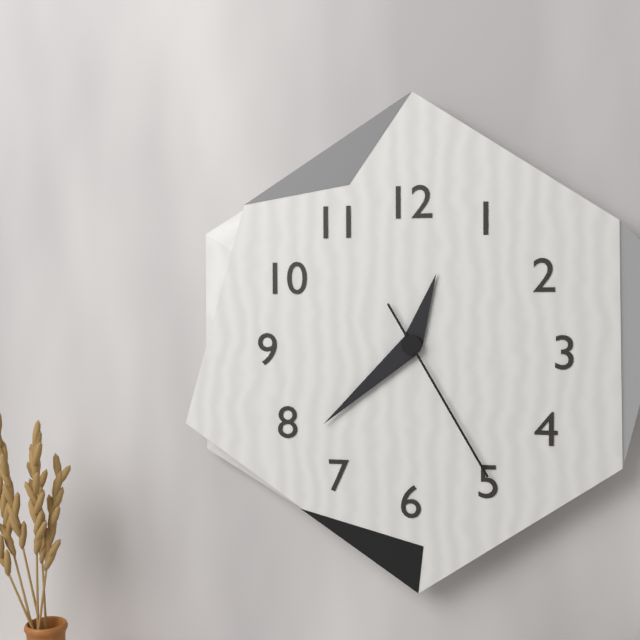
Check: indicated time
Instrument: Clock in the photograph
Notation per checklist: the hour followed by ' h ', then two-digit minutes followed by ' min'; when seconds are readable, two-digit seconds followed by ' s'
12 h 38 min 25 s
